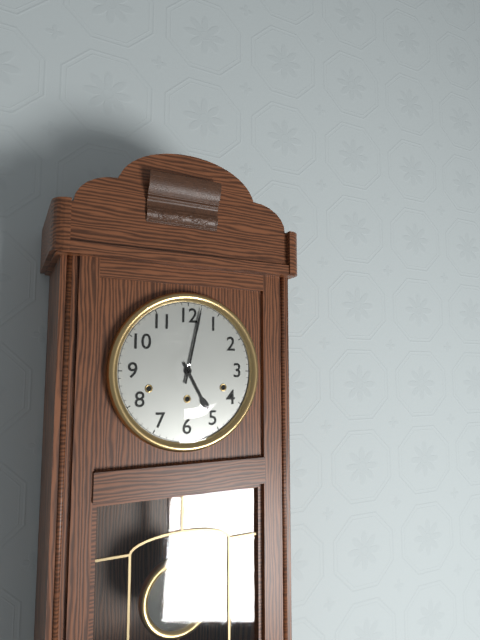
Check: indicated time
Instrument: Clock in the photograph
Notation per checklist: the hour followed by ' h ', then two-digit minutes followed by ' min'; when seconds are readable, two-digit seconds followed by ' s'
5 h 02 min
